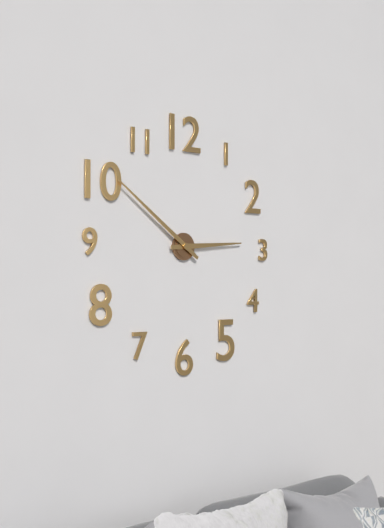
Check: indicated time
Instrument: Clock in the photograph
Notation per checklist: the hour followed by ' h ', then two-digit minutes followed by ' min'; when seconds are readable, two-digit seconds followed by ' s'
2 h 51 min
